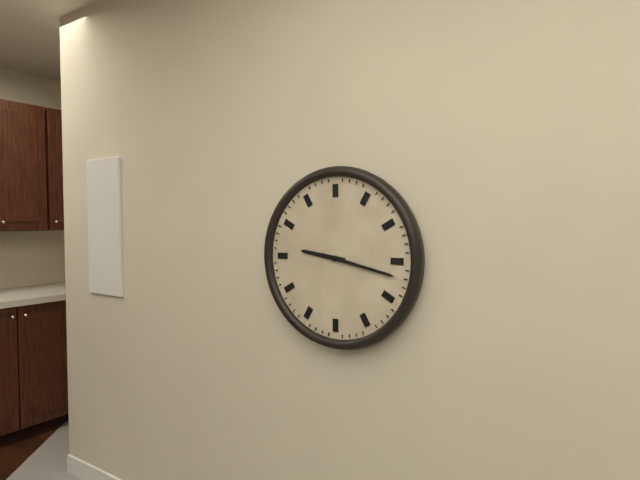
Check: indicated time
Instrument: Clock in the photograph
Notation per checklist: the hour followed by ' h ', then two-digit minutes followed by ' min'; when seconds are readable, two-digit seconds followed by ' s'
9 h 17 min
